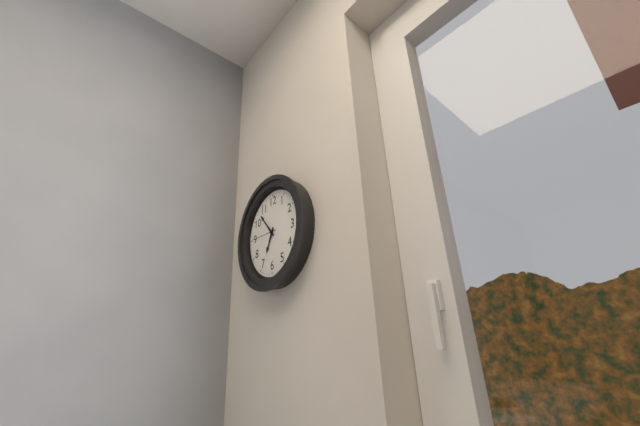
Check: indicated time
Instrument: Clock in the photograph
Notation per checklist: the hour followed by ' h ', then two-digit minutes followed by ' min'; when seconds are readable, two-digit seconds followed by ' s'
6 h 53 min
